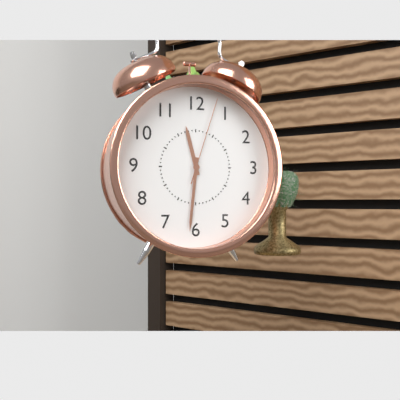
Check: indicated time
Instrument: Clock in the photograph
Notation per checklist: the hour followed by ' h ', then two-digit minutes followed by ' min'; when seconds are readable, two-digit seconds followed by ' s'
11 h 31 min 03 s
